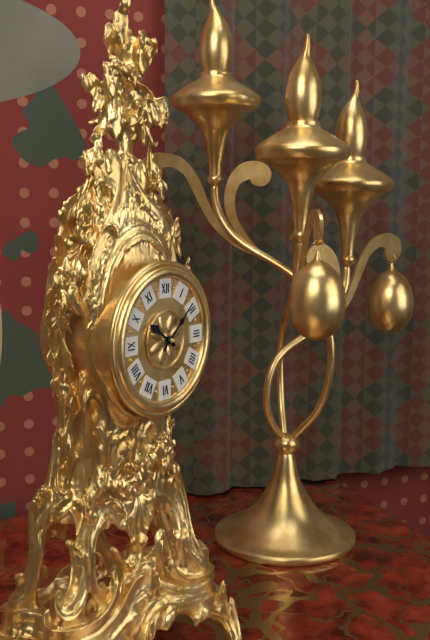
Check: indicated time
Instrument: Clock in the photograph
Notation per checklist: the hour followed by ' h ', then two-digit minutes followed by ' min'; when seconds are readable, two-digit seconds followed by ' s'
10 h 08 min
